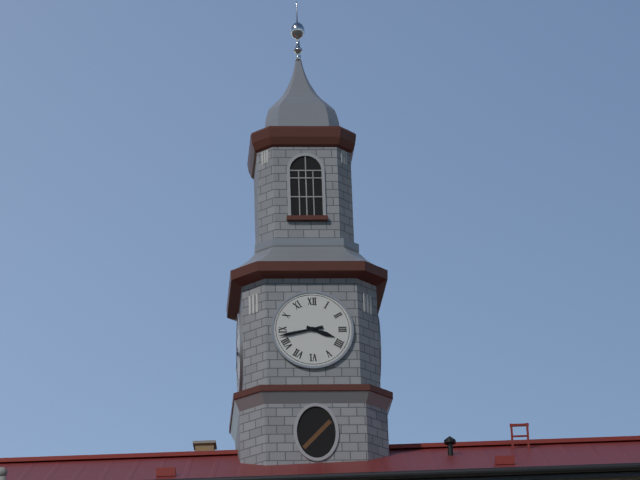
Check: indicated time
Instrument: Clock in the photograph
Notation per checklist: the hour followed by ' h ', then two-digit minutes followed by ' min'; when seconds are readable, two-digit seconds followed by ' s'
3 h 43 min
